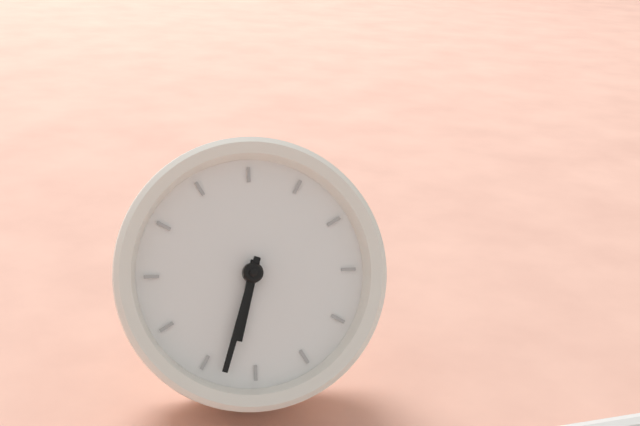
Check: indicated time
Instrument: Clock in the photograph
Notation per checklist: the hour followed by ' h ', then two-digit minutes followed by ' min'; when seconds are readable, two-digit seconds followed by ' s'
5 h 28 min
